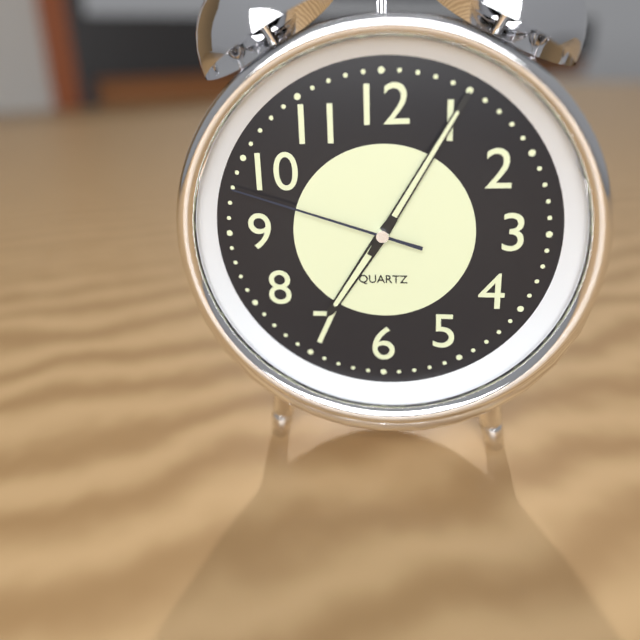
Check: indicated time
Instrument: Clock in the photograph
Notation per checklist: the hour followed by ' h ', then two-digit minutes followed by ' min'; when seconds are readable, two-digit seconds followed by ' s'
7 h 05 min 48 s
